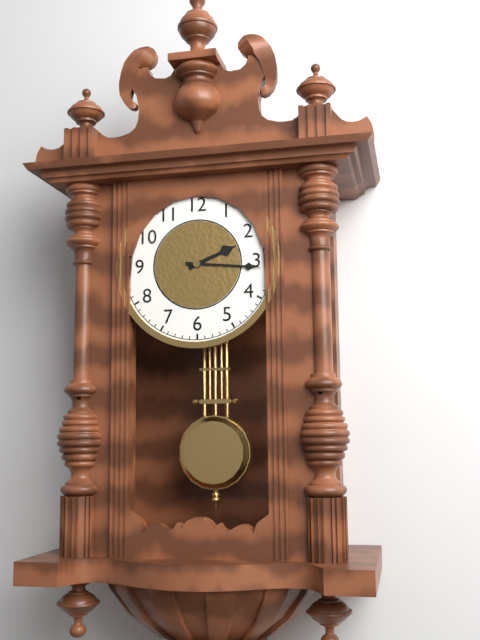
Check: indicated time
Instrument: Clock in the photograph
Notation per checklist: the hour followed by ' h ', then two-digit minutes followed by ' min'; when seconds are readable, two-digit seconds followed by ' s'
2 h 16 min
